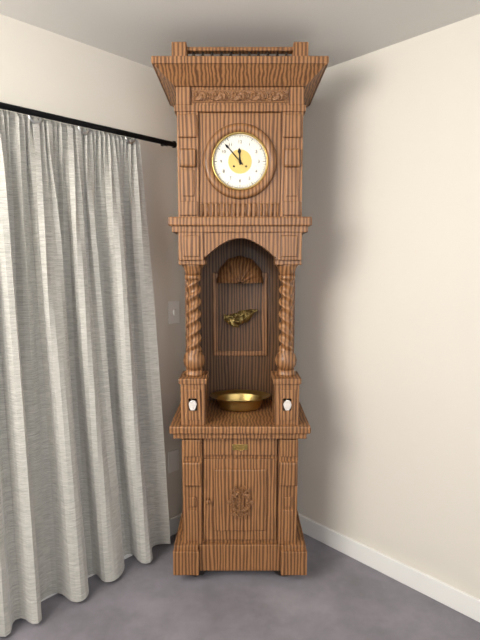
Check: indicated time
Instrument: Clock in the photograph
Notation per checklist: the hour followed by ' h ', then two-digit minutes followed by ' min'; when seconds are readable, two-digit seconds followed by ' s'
11 h 53 min
